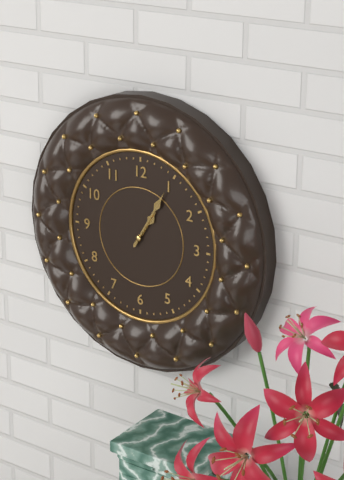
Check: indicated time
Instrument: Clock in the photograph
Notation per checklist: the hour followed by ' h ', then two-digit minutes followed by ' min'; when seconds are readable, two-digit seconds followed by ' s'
1 h 05 min
